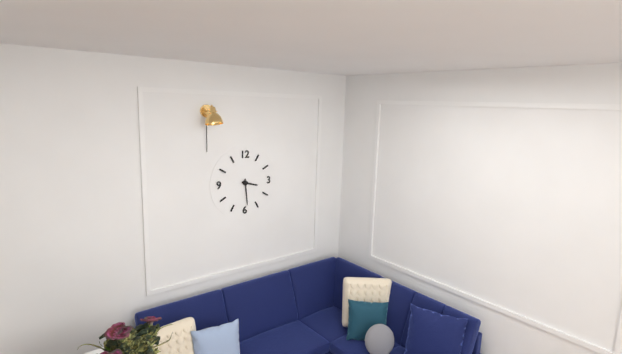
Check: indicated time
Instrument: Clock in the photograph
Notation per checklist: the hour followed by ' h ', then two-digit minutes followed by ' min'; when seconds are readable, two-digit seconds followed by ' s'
3 h 29 min
